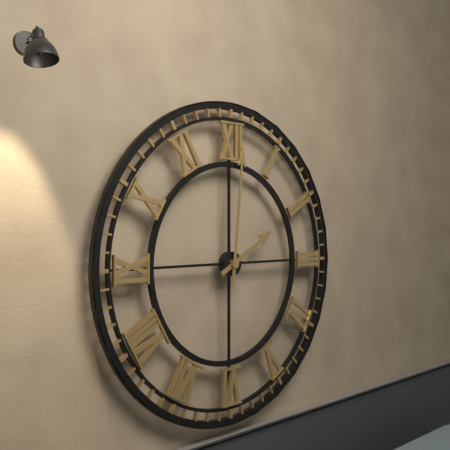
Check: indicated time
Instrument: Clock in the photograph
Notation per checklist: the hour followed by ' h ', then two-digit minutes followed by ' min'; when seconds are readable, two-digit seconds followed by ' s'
2 h 01 min
